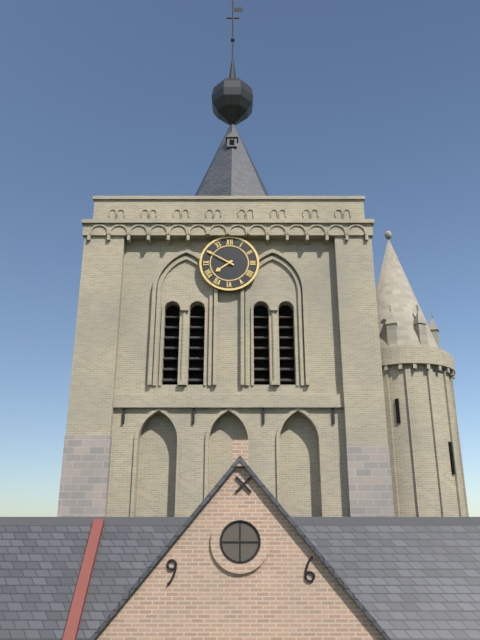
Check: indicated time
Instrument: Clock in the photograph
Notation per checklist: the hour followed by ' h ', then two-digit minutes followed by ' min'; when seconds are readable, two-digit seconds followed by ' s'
7 h 50 min
